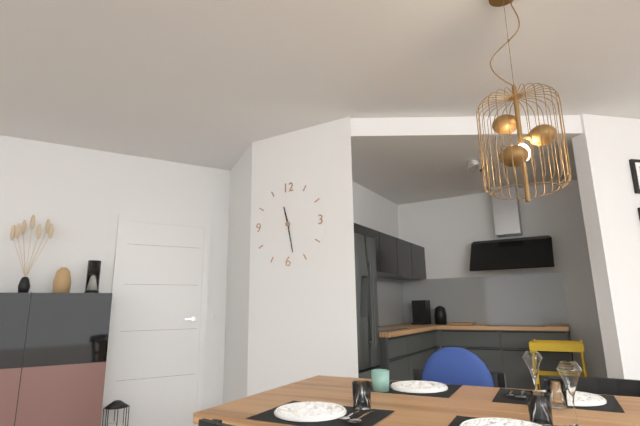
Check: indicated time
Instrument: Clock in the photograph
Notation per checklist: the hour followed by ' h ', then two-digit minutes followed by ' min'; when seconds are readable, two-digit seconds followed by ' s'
11 h 28 min
